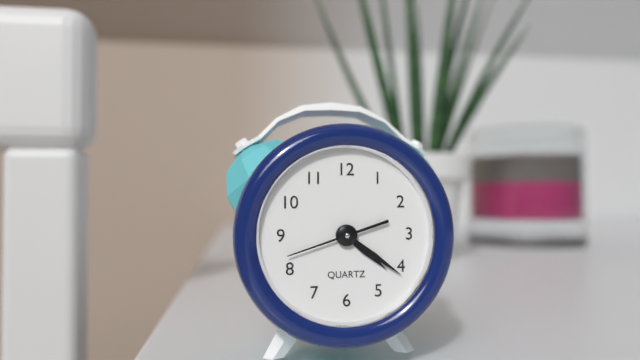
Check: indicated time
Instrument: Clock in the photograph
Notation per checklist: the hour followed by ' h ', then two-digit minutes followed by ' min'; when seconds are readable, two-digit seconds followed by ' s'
4 h 21 min 42 s
